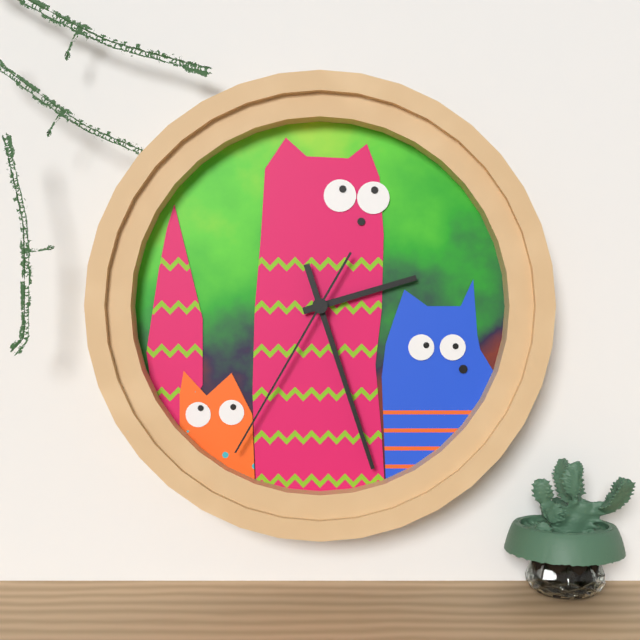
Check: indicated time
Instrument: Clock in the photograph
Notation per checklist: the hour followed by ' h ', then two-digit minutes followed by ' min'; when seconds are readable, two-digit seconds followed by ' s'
2 h 27 min 35 s
